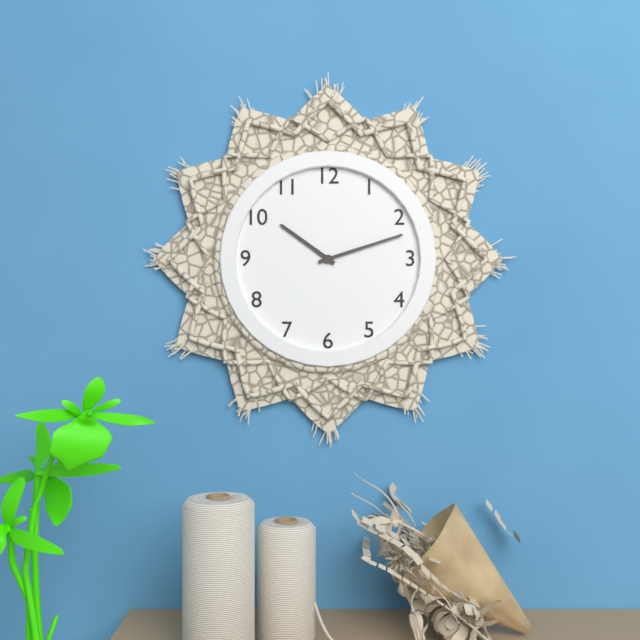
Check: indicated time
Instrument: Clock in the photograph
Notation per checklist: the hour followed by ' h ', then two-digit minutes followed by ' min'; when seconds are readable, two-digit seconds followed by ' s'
10 h 12 min
